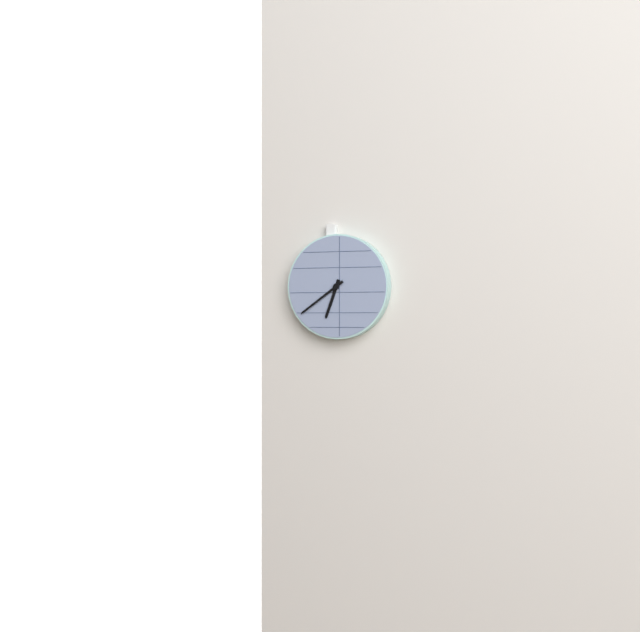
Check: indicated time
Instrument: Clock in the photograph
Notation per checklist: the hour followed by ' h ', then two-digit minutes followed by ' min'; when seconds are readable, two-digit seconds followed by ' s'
6 h 39 min
